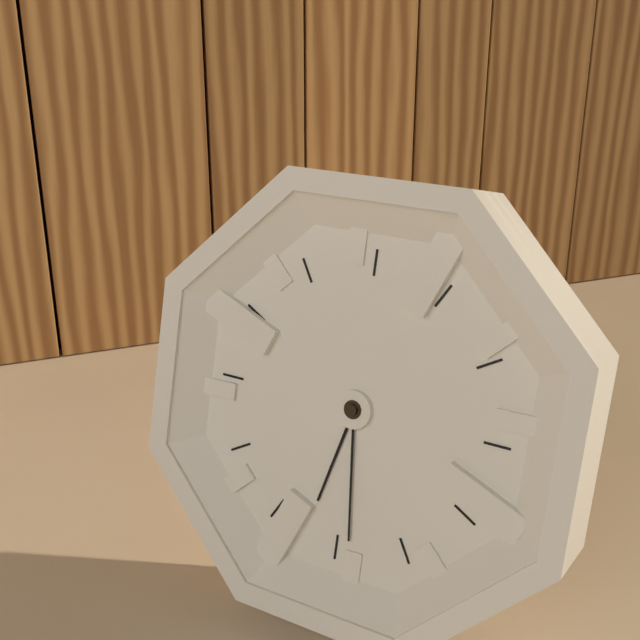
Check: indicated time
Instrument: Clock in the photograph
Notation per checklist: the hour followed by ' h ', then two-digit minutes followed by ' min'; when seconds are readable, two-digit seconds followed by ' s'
6 h 29 min
